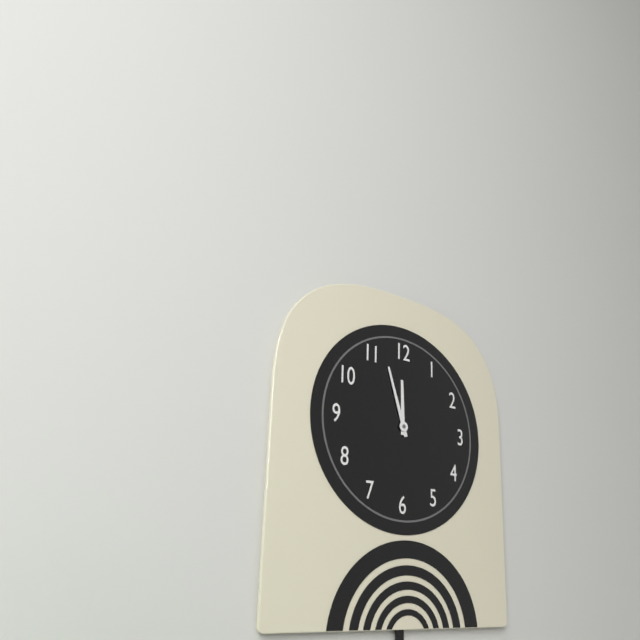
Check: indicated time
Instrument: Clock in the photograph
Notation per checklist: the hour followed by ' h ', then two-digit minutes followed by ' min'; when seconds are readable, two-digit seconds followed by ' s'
11 h 57 min
